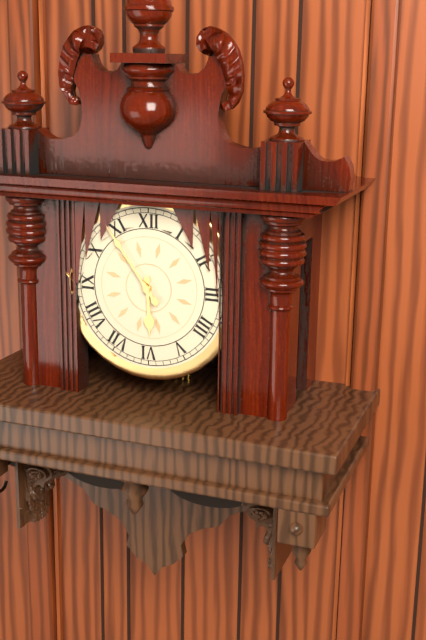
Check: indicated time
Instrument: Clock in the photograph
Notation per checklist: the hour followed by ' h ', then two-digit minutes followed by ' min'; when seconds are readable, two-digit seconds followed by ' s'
5 h 54 min
